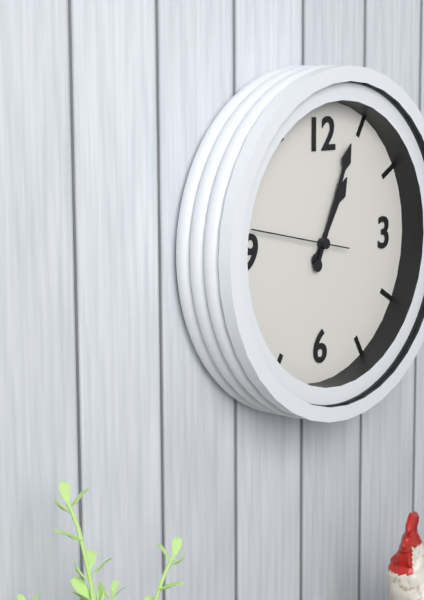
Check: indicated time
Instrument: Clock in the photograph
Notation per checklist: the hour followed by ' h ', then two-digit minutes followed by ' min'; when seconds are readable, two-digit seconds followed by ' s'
1 h 04 min
